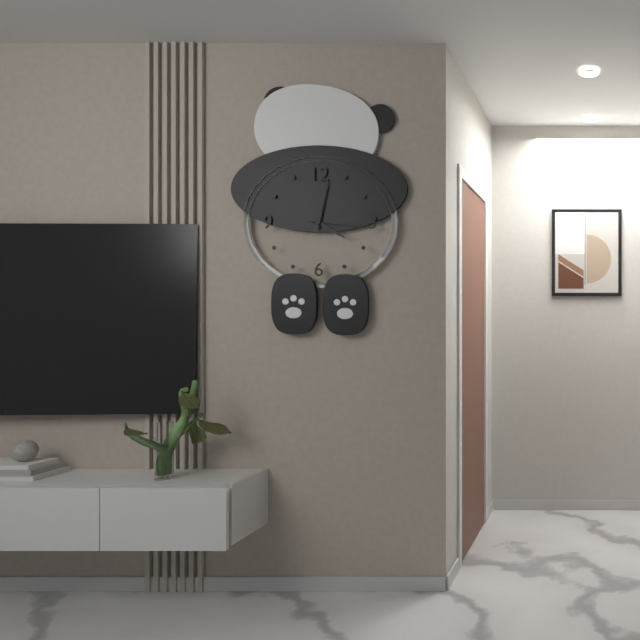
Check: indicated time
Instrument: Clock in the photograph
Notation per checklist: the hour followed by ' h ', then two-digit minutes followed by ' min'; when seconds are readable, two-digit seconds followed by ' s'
4 h 02 min 16 s
